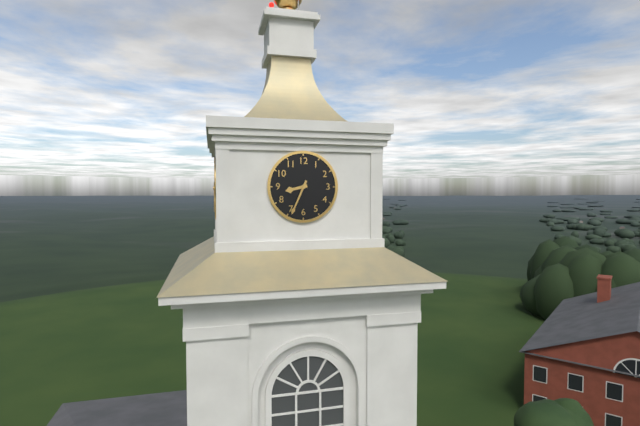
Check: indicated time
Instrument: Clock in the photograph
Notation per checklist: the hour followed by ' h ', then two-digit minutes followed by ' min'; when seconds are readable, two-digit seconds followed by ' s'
8 h 34 min
